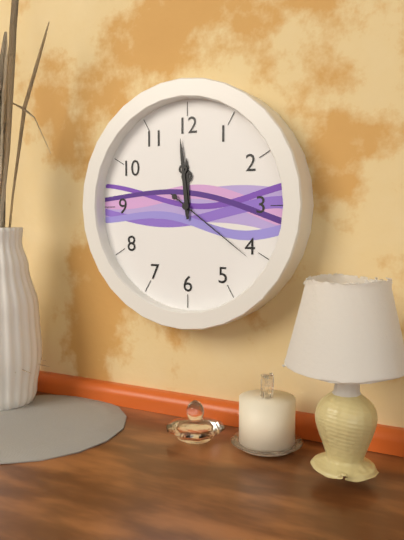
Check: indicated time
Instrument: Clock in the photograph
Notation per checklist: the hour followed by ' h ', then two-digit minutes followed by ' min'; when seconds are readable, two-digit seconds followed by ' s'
11 h 59 min 21 s
